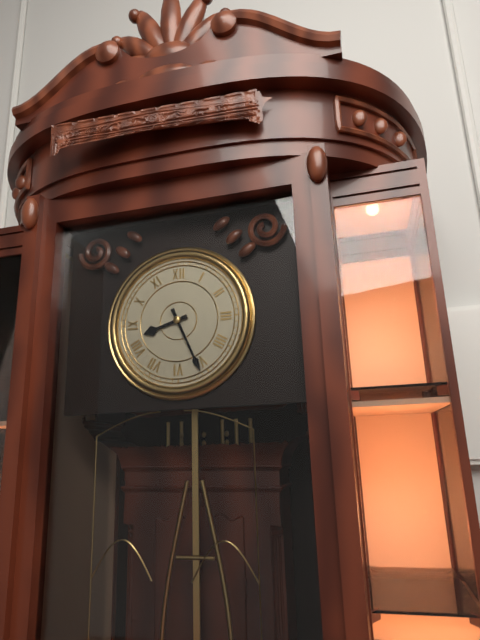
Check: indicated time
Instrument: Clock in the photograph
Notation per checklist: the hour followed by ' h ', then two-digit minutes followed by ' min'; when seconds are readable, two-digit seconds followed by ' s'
8 h 26 min
